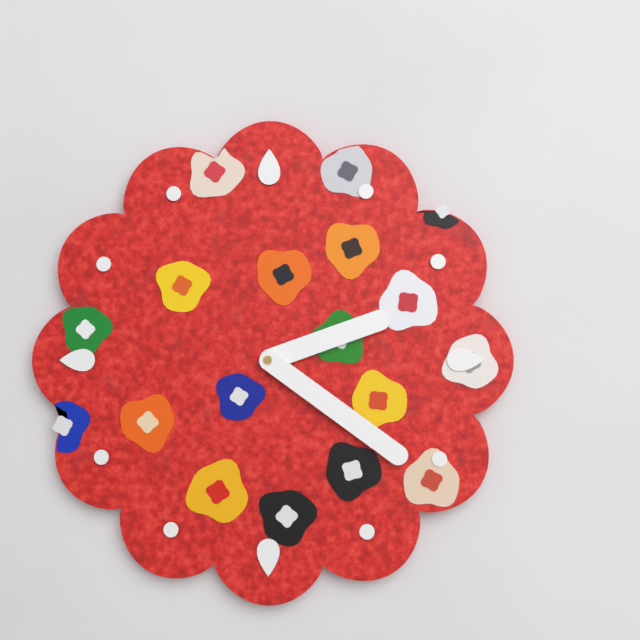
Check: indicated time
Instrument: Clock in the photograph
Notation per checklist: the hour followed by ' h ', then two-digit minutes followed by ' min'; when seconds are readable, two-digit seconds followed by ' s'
2 h 21 min
